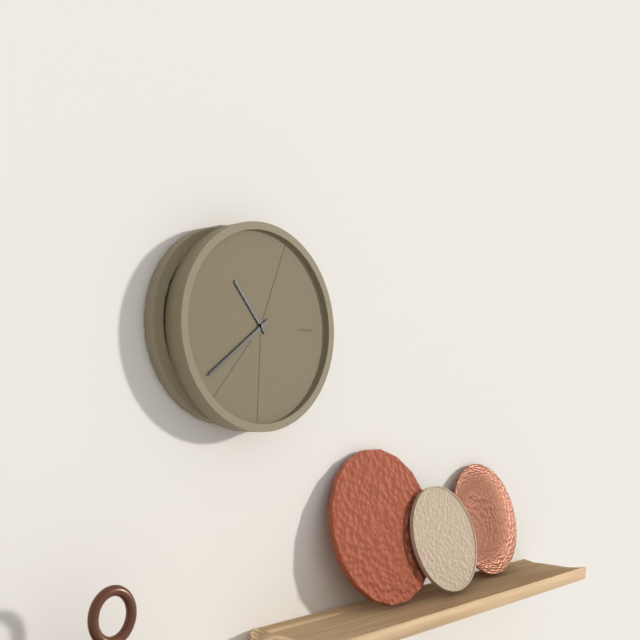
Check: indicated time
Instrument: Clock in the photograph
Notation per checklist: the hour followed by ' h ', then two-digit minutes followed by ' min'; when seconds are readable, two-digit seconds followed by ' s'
10 h 39 min
